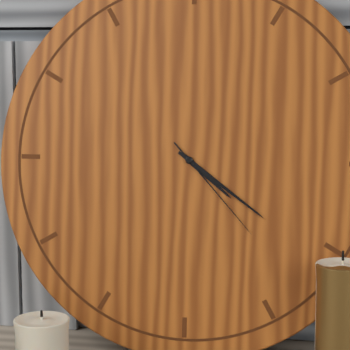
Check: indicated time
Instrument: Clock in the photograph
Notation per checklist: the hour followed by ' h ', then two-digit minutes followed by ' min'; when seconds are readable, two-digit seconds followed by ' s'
4 h 21 min 23 s
